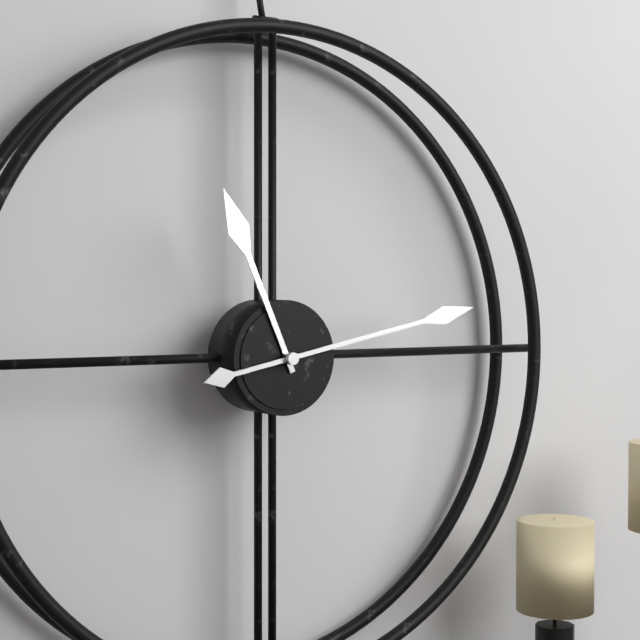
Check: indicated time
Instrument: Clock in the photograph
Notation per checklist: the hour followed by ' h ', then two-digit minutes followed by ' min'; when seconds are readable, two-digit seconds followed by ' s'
11 h 13 min
